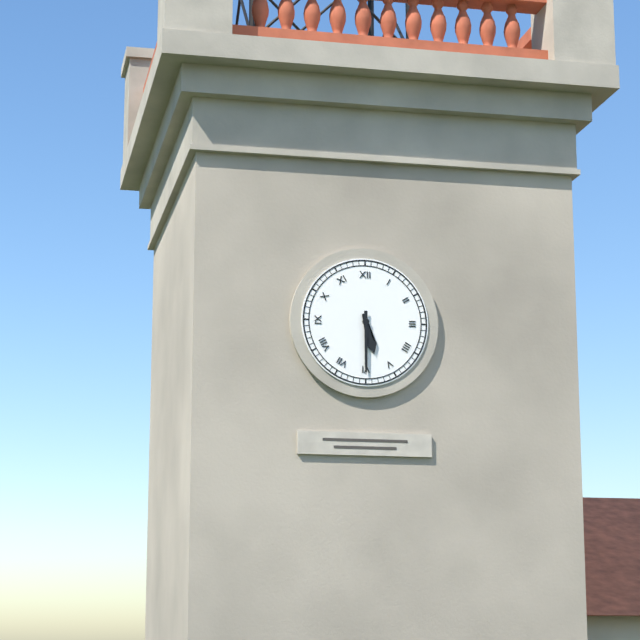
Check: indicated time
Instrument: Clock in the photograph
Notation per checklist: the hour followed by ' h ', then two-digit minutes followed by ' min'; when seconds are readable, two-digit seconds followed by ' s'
5 h 30 min
